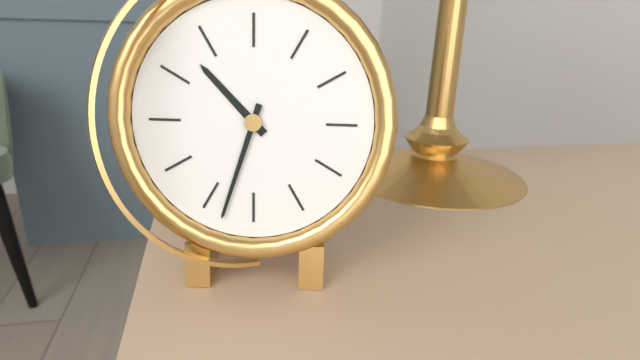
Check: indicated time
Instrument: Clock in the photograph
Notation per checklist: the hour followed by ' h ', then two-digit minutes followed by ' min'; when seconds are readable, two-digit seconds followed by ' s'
10 h 33 min
